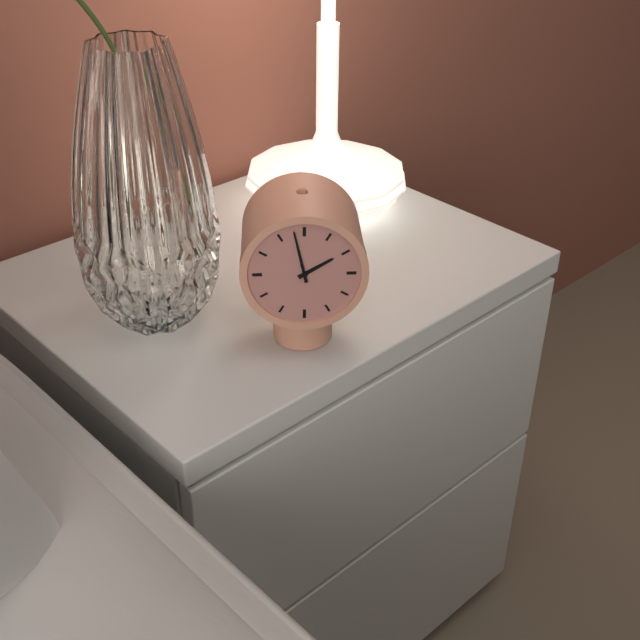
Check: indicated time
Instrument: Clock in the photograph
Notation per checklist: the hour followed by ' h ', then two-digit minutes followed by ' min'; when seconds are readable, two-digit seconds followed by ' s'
1 h 58 min
